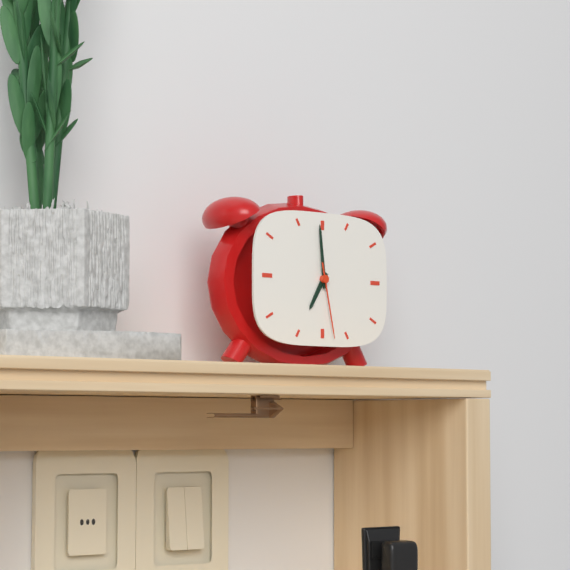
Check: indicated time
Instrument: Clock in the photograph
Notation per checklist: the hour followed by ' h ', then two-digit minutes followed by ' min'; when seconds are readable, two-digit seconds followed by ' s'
6 h 59 min 28 s
